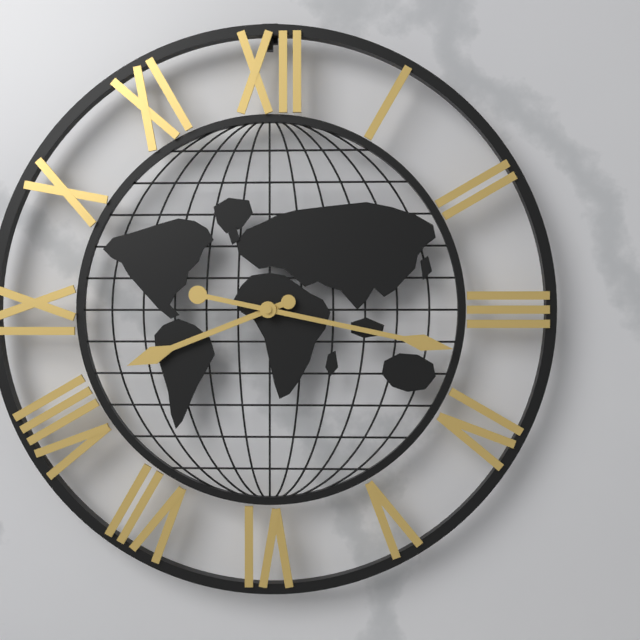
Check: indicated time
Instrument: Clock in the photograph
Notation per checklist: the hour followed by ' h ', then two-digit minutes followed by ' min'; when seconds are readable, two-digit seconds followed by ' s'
8 h 17 min
